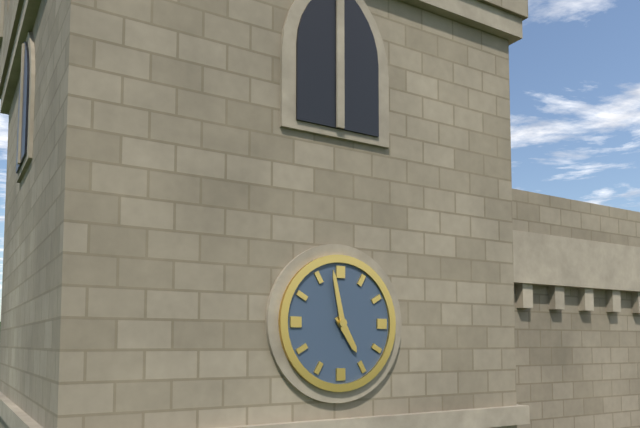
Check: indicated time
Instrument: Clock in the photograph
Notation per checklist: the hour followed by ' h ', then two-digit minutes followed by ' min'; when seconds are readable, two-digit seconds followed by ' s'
4 h 58 min
